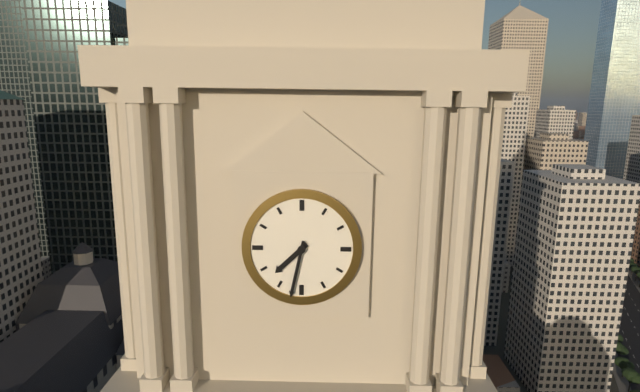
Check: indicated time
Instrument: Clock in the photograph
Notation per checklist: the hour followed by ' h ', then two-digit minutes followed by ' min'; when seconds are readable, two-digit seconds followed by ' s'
7 h 32 min
